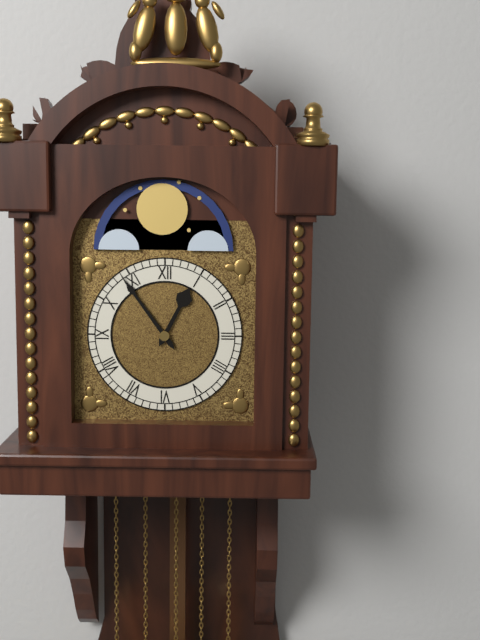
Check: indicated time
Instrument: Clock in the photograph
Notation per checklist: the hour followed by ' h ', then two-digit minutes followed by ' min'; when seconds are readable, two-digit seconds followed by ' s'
12 h 54 min
